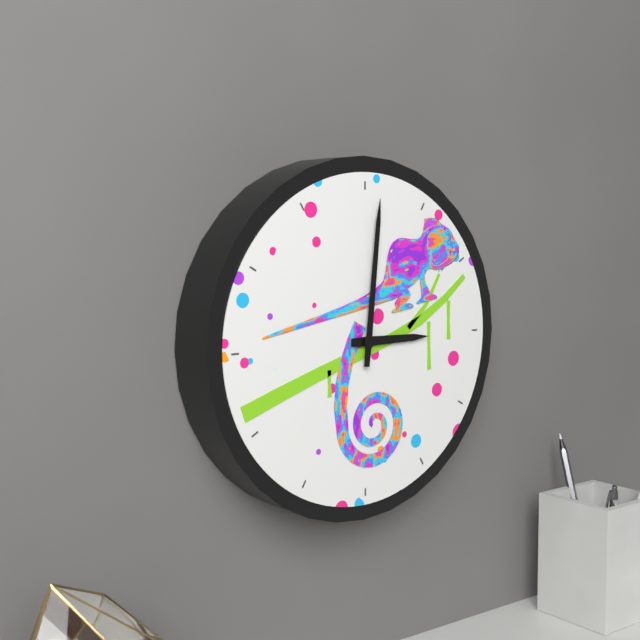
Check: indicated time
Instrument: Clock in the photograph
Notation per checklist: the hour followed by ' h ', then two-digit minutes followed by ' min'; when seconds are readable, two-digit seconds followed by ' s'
3 h 01 min
